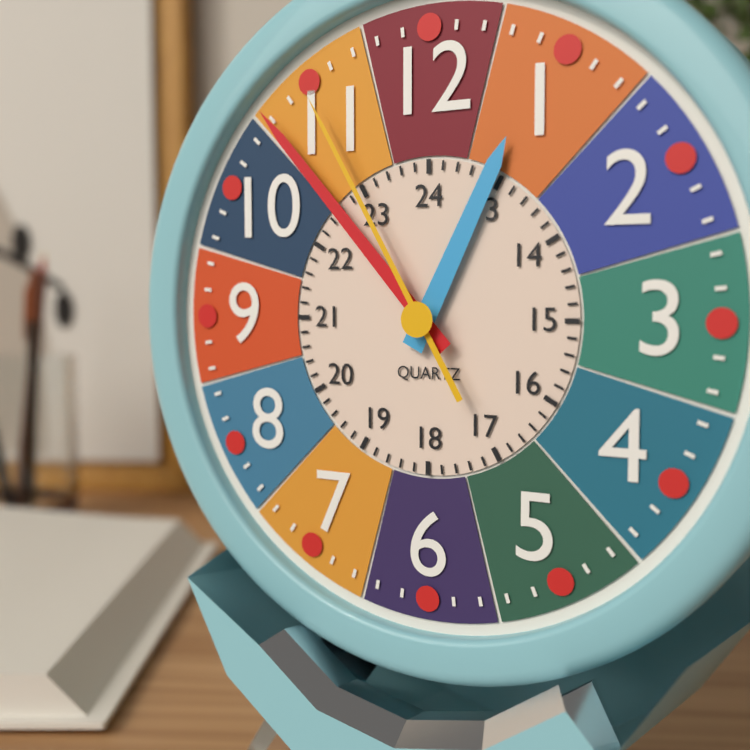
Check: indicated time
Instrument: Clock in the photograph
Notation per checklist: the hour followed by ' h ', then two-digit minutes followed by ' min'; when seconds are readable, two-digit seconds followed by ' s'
12 h 53 min 55 s
